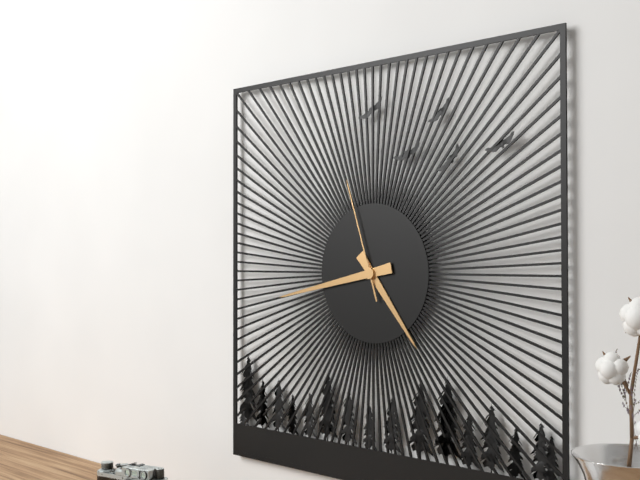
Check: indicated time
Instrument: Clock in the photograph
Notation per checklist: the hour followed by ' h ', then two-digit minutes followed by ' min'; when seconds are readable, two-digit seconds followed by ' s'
4 h 43 min 57 s
